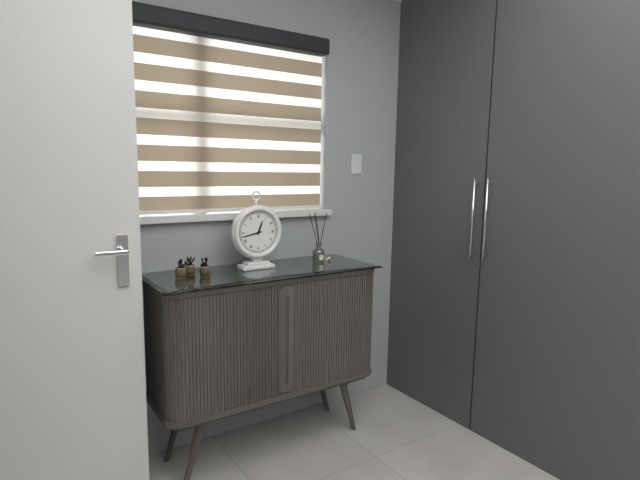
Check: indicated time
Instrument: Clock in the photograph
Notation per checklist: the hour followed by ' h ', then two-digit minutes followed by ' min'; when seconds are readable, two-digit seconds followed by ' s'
12 h 43 min
